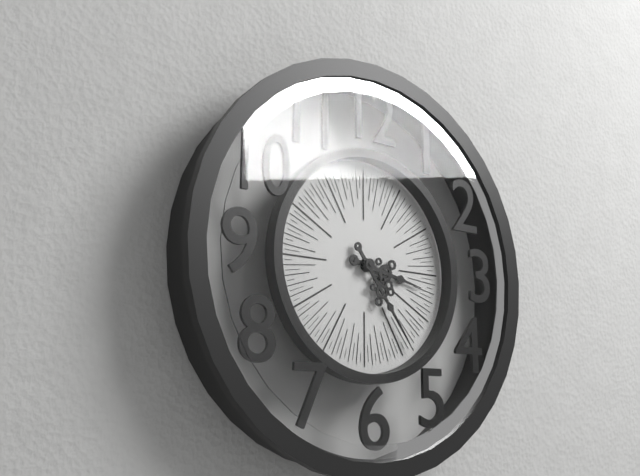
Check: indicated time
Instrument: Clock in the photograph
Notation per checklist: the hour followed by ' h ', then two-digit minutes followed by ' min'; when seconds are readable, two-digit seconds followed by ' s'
3 h 24 min
